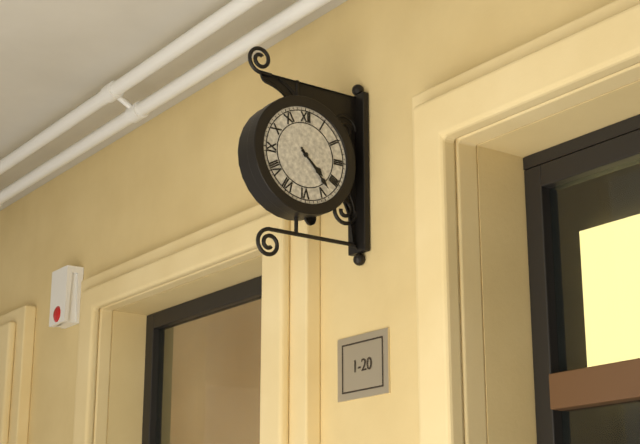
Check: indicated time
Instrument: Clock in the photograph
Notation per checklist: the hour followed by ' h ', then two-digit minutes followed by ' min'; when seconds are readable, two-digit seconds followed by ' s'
4 h 23 min
